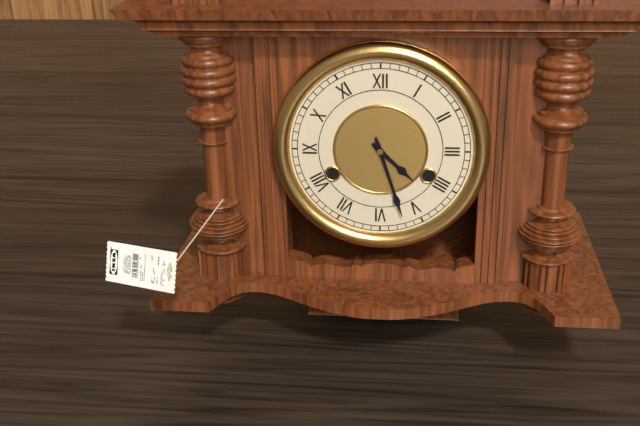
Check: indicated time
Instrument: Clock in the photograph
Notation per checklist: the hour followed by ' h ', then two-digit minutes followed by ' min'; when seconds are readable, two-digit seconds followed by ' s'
4 h 27 min
